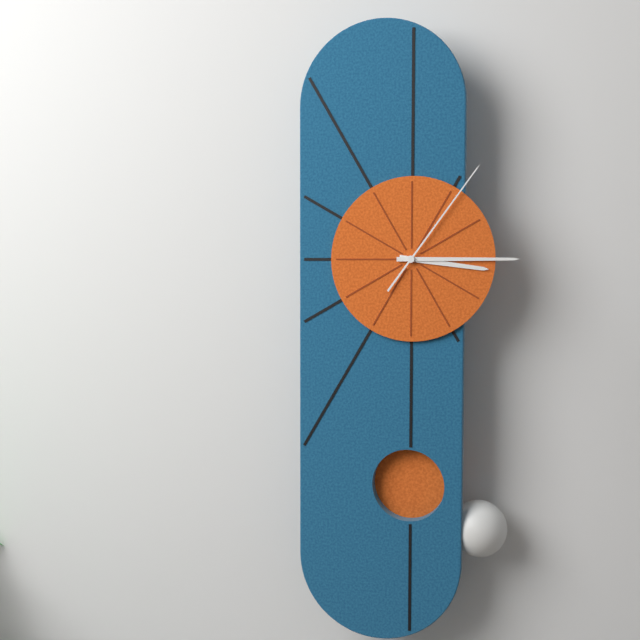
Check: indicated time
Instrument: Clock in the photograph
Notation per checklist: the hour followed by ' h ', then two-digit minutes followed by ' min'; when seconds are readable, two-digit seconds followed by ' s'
3 h 15 min 06 s
